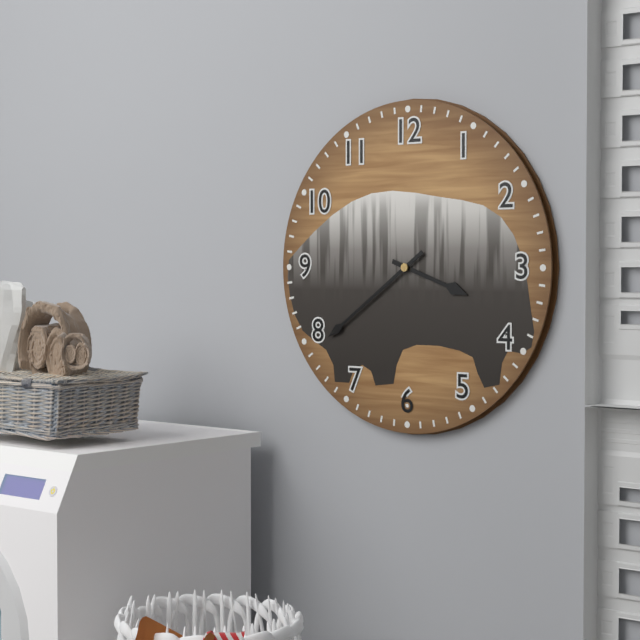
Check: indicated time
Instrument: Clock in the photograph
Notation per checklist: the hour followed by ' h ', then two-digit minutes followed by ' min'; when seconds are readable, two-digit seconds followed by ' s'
3 h 39 min
